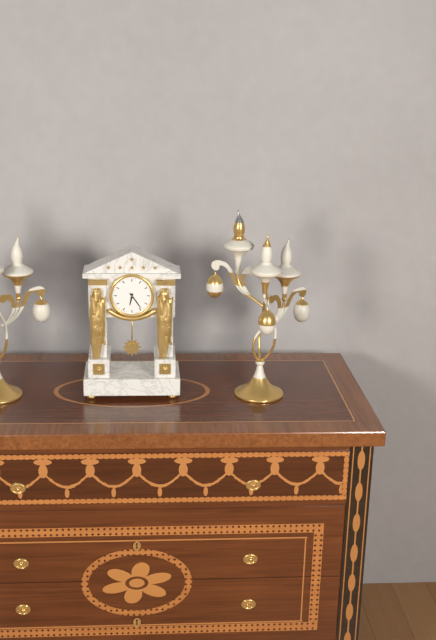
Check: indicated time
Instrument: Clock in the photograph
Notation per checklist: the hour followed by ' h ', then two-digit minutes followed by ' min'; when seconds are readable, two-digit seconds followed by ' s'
6 h 24 min
